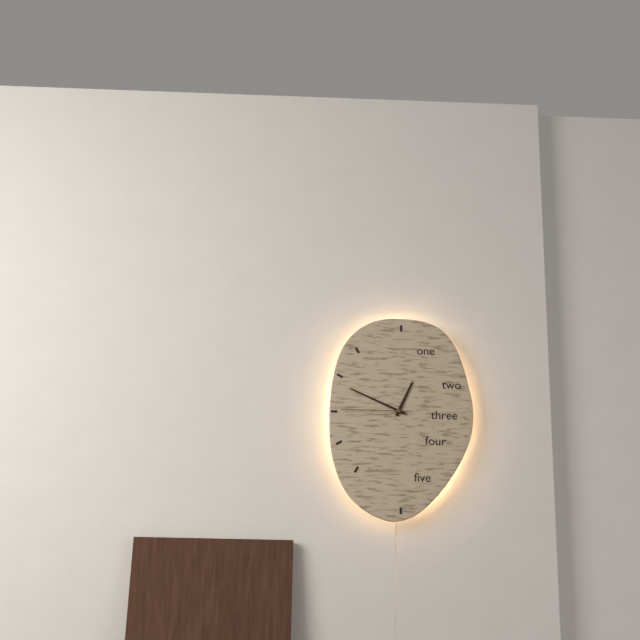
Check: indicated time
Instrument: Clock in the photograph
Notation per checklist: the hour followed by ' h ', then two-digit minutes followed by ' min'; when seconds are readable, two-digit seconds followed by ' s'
12 h 49 min 45 s
